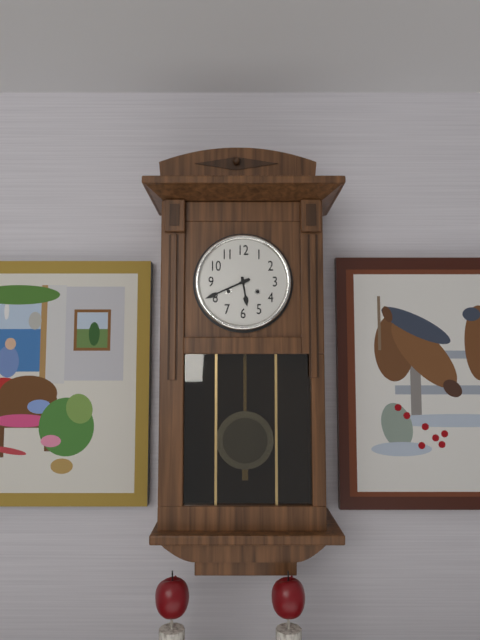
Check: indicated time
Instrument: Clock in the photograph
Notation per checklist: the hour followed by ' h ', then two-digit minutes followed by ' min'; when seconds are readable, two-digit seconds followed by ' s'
5 h 41 min
